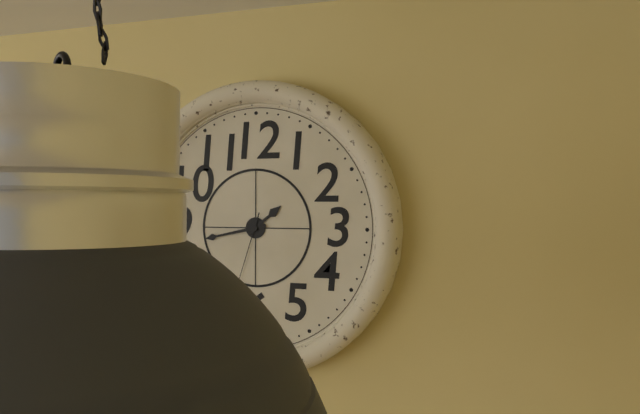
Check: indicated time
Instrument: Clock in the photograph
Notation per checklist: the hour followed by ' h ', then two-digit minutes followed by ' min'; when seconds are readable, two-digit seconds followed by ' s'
1 h 43 min 33 s
